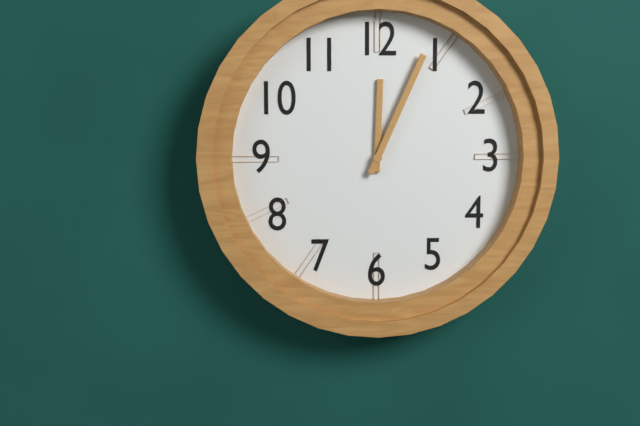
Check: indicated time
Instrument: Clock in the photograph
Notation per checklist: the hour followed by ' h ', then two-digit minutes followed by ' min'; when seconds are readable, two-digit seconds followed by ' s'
12 h 04 min
